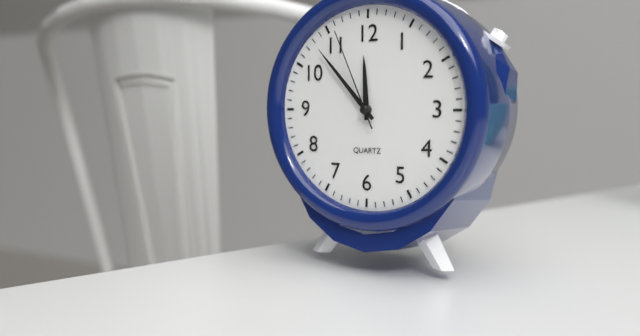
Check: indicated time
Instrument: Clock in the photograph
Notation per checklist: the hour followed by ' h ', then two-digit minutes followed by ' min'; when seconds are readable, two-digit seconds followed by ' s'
11 h 53 min 56 s
